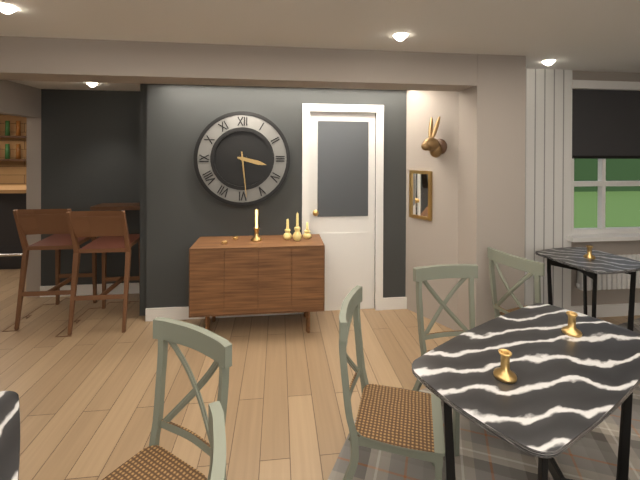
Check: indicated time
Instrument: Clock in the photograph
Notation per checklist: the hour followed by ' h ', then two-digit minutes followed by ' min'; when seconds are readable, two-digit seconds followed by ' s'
3 h 29 min
